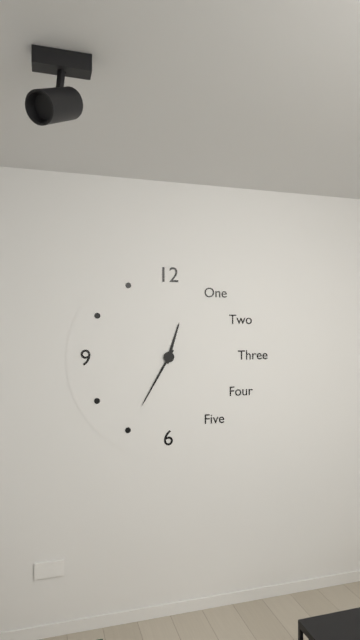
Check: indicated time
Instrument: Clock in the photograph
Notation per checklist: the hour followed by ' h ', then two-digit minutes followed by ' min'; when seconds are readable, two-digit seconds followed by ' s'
12 h 35 min
